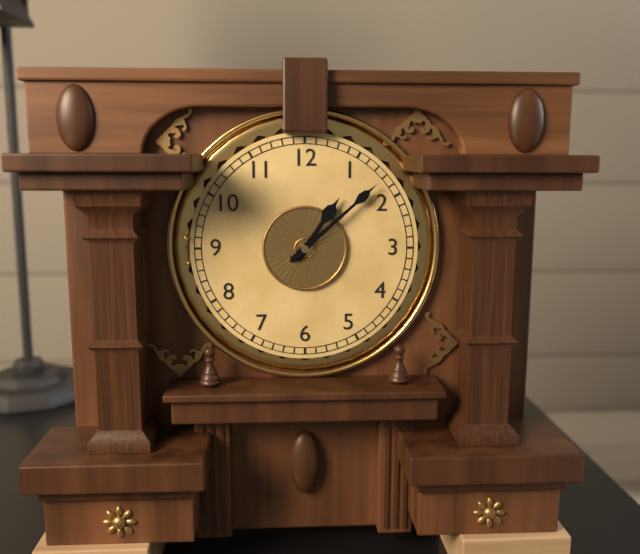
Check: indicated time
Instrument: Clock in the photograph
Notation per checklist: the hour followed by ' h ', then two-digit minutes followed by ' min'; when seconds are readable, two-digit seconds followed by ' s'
1 h 08 min
